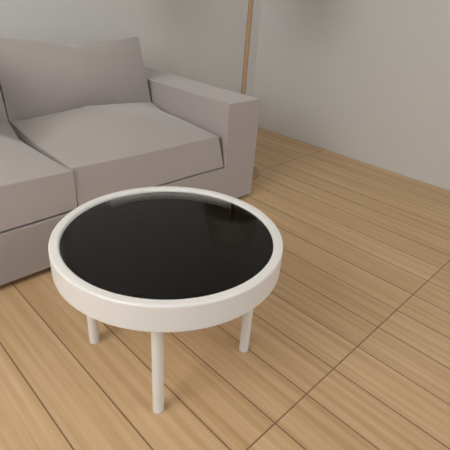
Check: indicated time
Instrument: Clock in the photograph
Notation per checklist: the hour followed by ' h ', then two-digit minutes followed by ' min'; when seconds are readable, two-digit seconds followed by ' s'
6 h 07 min
